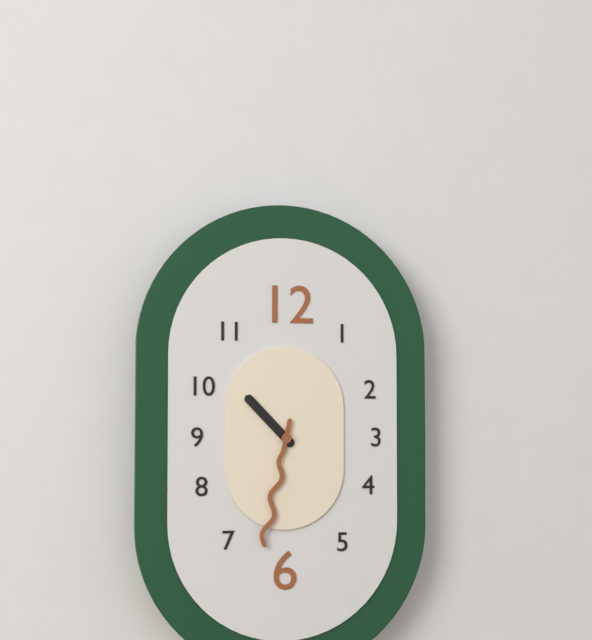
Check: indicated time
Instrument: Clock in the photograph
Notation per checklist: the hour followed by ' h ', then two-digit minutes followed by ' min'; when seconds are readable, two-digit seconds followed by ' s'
10 h 32 min
